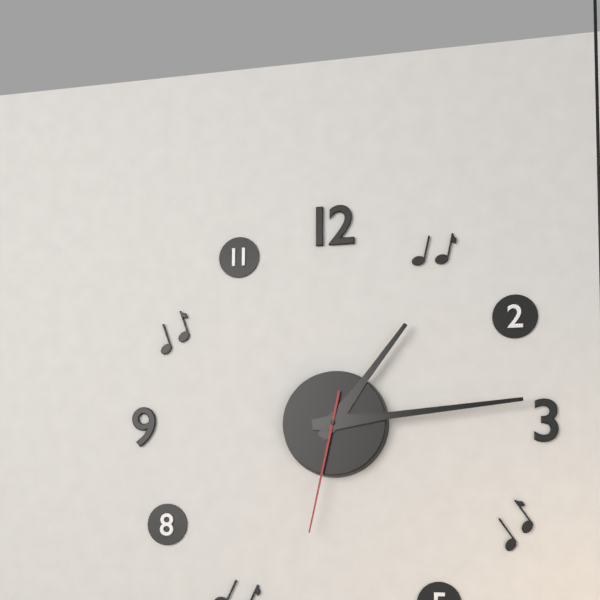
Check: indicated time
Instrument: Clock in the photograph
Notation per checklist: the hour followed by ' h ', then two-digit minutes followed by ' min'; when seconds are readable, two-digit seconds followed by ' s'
1 h 14 min 32 s
